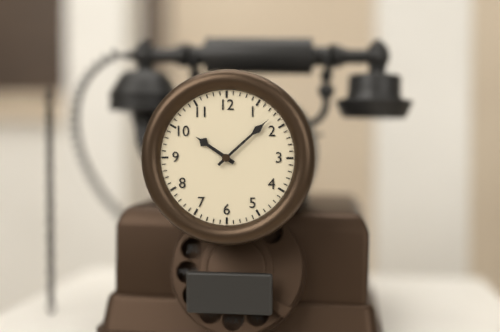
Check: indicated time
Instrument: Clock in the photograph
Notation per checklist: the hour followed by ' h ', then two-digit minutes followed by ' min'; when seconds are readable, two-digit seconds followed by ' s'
10 h 08 min
